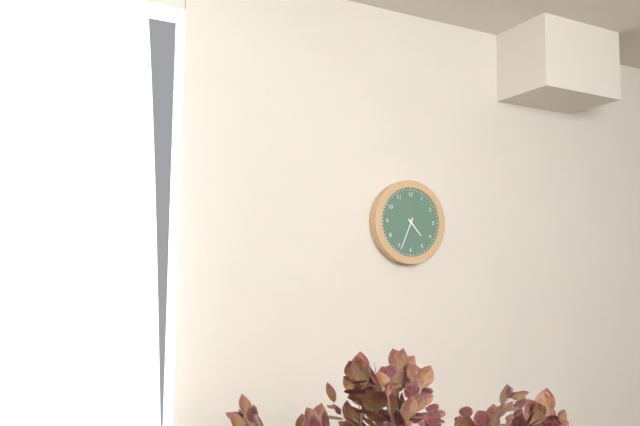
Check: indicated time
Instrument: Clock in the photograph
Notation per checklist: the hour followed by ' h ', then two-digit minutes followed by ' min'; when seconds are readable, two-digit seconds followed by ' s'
4 h 34 min
